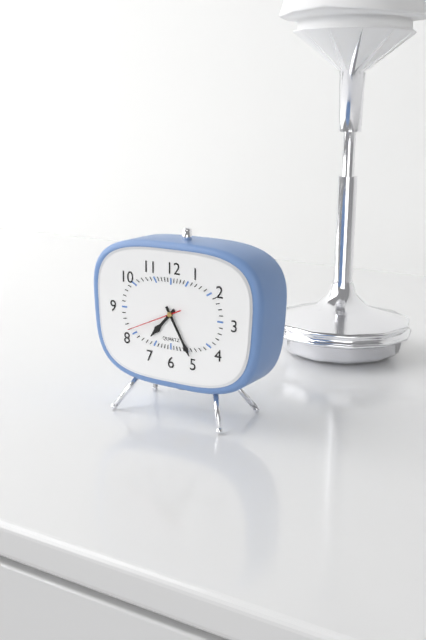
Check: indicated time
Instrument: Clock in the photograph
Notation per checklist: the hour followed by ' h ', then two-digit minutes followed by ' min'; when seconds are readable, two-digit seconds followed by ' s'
7 h 25 min 41 s
